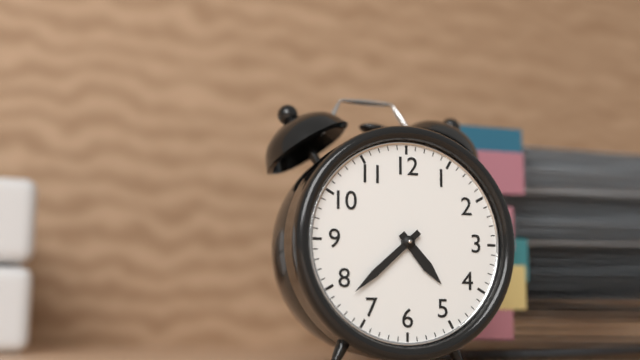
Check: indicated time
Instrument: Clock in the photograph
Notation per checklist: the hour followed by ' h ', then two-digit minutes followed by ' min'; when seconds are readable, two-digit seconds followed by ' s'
4 h 38 min
